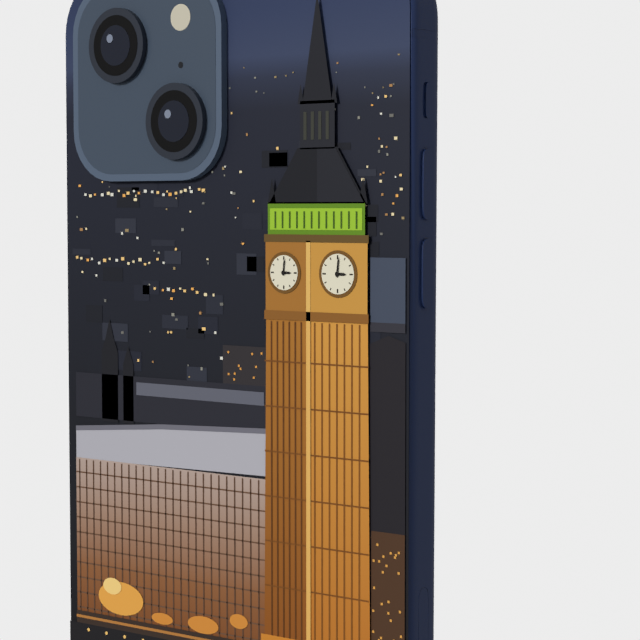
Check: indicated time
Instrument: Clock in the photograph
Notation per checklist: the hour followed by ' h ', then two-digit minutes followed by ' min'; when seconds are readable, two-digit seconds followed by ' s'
3 h 01 min
